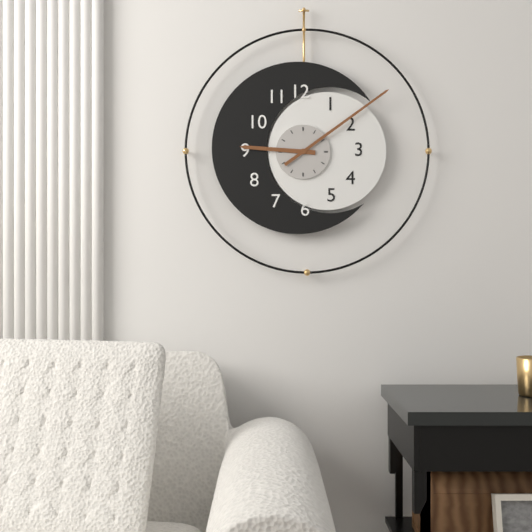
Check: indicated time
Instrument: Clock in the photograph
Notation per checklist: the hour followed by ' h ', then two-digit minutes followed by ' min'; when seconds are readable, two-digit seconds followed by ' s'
9 h 09 min
